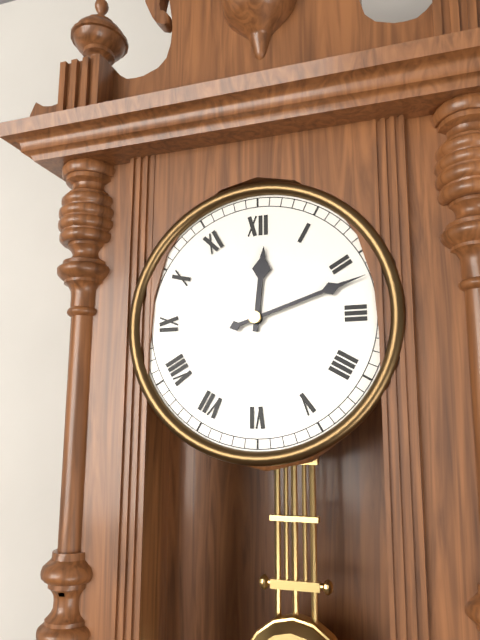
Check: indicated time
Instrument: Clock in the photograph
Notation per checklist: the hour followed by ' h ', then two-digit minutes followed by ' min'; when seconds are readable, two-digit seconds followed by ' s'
12 h 12 min
